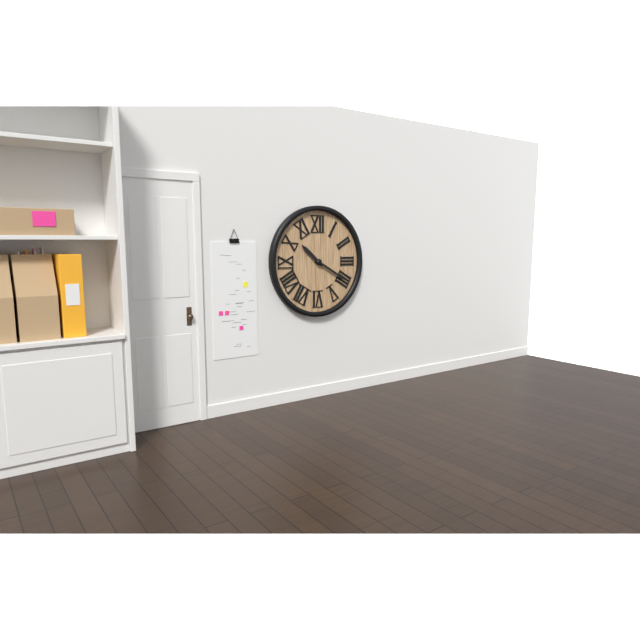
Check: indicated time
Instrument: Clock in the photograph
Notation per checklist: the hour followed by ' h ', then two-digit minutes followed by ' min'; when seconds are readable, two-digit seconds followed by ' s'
10 h 20 min
